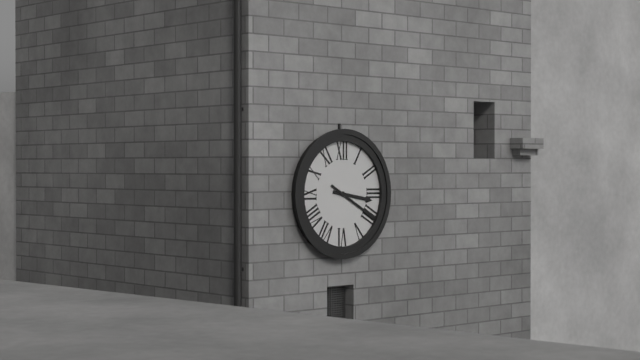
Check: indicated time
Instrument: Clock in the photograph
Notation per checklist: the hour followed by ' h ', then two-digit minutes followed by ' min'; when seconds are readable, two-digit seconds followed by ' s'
3 h 20 min
